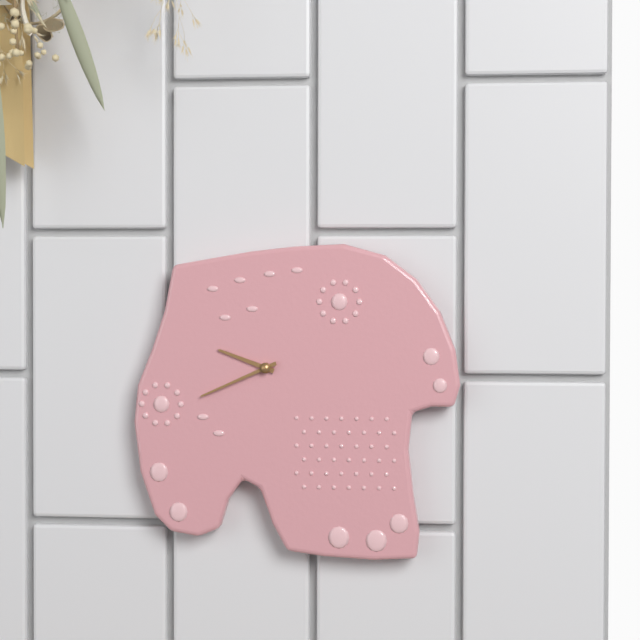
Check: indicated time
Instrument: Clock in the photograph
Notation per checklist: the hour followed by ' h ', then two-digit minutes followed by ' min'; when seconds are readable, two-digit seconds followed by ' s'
9 h 41 min
